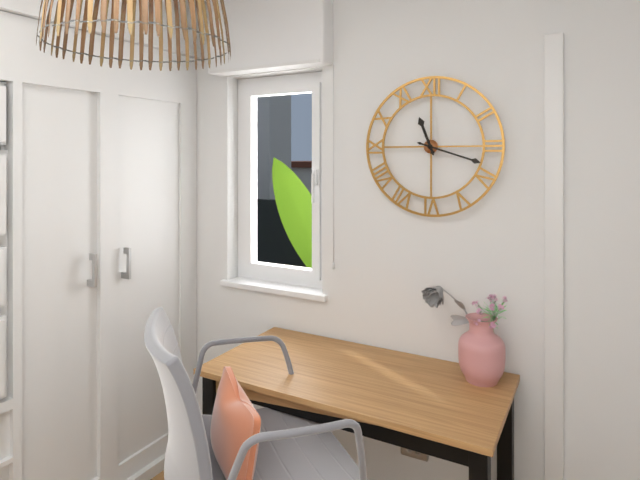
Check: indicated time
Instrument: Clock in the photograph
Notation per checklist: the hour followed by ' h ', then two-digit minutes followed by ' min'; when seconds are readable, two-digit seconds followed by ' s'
11 h 18 min
